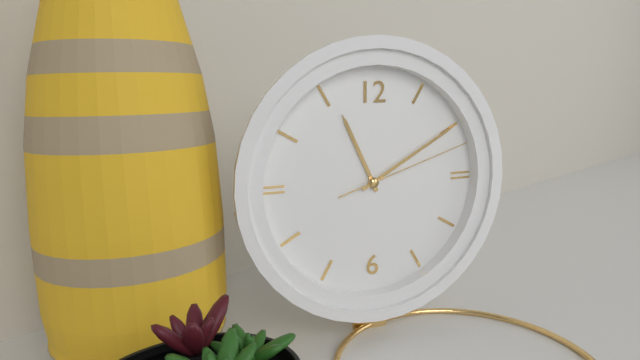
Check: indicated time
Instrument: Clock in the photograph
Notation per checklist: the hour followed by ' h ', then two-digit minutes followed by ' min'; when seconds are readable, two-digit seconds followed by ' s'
11 h 10 min 12 s
